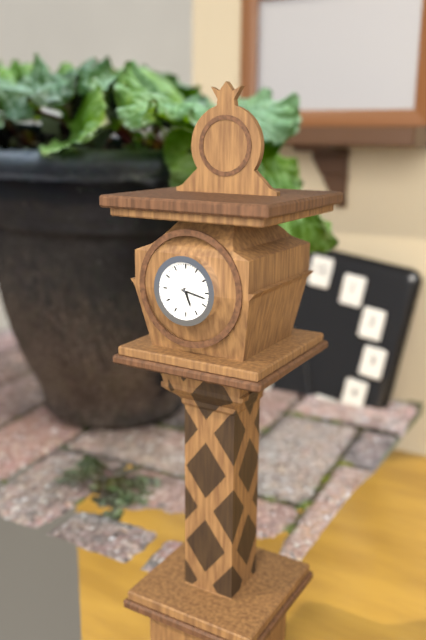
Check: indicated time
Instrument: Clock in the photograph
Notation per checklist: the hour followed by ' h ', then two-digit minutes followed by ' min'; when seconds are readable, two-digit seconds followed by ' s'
5 h 17 min
